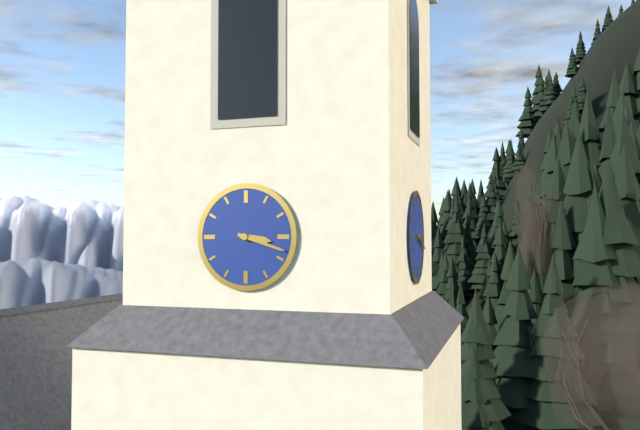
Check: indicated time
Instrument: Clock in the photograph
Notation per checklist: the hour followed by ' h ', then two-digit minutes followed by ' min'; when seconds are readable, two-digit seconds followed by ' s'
3 h 18 min
